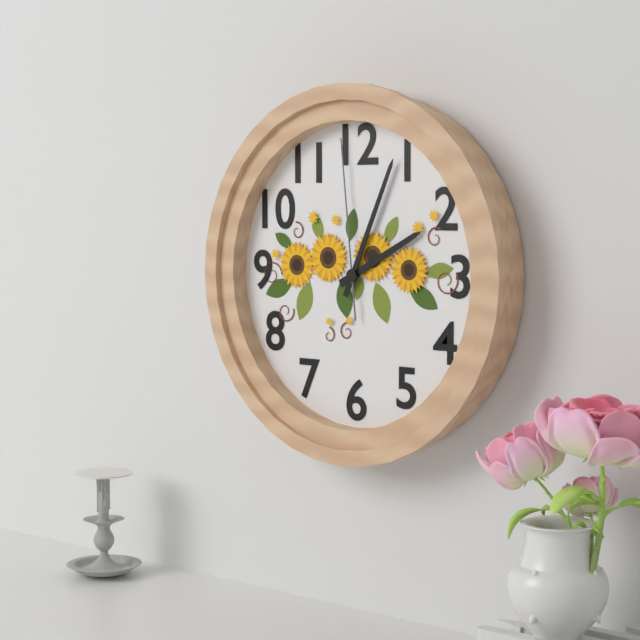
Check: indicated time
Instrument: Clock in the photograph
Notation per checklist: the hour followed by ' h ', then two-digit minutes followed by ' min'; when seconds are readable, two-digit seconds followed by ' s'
2 h 04 min 59 s
